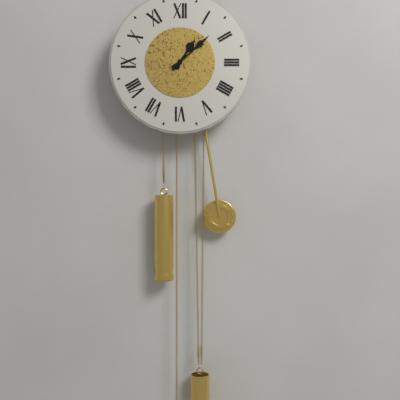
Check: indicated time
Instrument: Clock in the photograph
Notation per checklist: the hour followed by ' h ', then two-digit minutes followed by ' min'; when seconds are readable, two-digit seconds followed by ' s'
1 h 08 min
